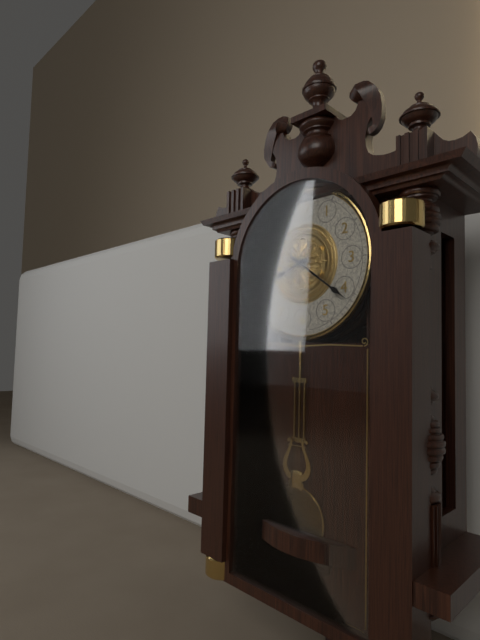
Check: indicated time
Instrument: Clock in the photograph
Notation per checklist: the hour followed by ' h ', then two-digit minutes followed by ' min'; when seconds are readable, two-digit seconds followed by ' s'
8 h 21 min
